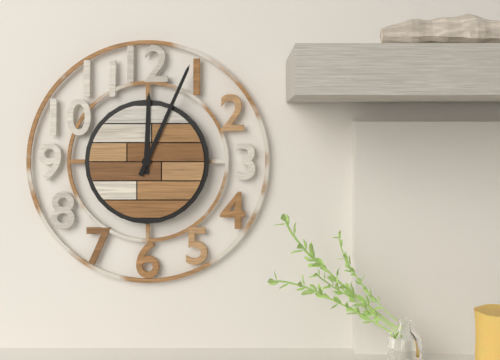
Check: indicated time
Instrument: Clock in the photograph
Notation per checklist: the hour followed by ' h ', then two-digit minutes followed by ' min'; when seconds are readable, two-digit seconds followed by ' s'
12 h 04 min
